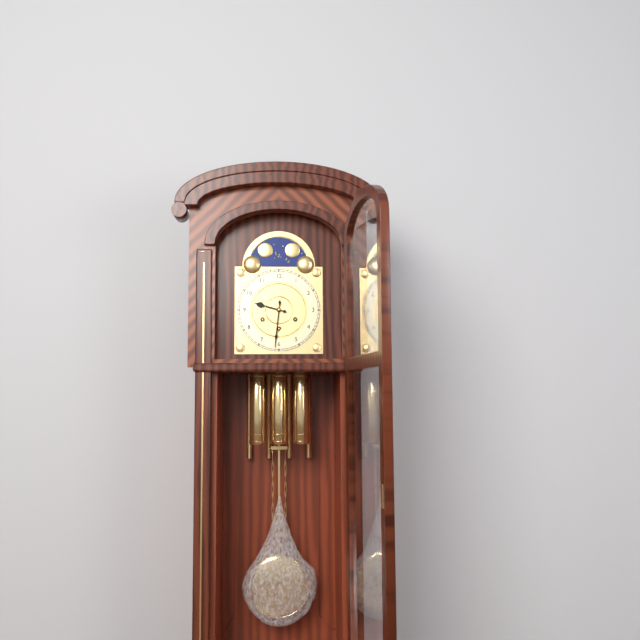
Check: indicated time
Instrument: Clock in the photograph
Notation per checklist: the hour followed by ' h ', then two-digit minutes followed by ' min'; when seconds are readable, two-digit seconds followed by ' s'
9 h 31 min
